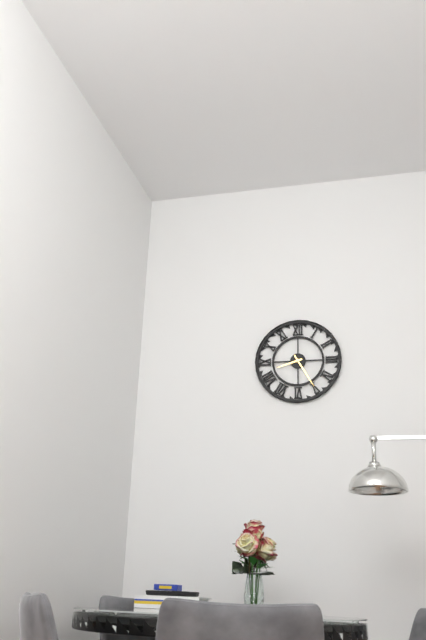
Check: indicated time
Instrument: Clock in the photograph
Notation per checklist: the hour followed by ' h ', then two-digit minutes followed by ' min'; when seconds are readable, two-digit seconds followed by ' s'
8 h 25 min
